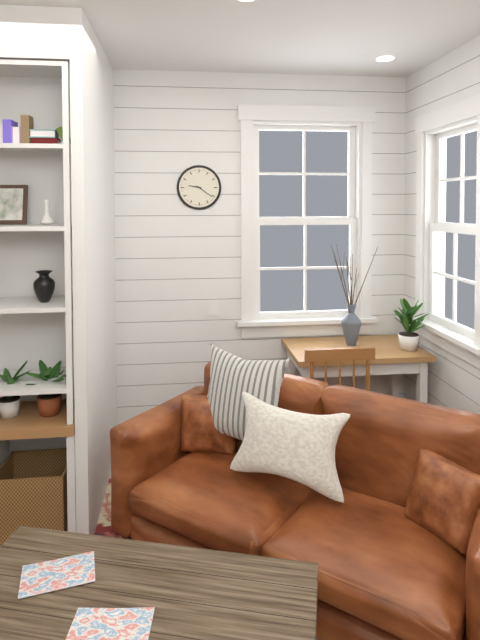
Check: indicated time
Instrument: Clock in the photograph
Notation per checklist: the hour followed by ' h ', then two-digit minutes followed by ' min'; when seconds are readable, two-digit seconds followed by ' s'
9 h 21 min
